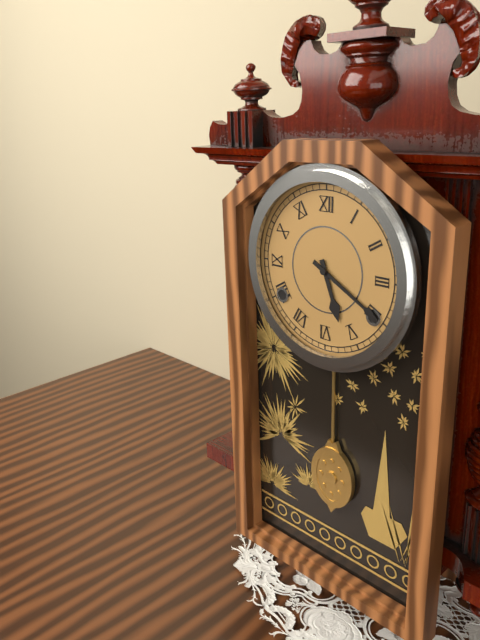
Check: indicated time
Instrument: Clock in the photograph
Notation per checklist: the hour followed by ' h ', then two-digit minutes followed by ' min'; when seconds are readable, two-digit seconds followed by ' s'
5 h 20 min
